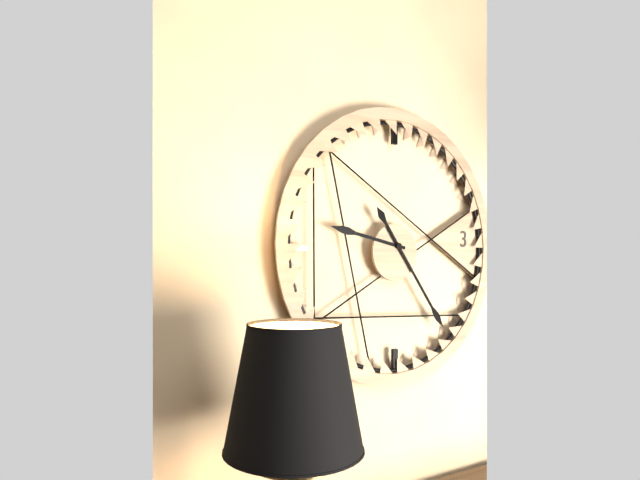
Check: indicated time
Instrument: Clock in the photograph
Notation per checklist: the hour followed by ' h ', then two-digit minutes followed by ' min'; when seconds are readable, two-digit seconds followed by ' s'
9 h 24 min
